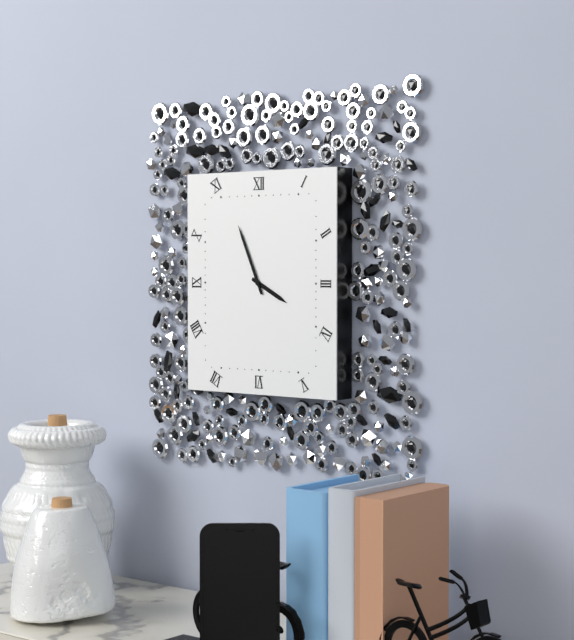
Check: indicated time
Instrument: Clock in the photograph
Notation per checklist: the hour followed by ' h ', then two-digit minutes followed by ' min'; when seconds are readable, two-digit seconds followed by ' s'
3 h 56 min
